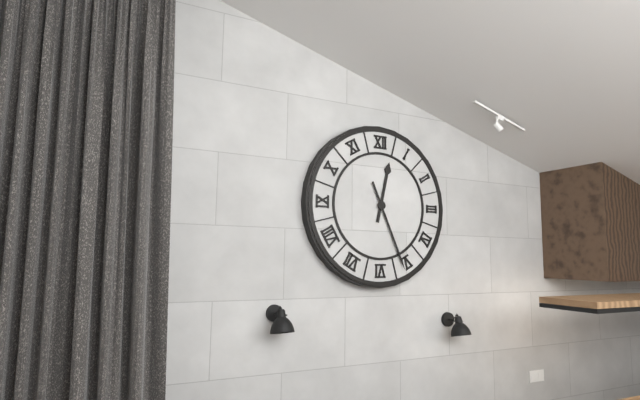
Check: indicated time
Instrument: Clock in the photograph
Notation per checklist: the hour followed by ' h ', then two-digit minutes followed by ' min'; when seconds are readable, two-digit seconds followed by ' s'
12 h 26 min
